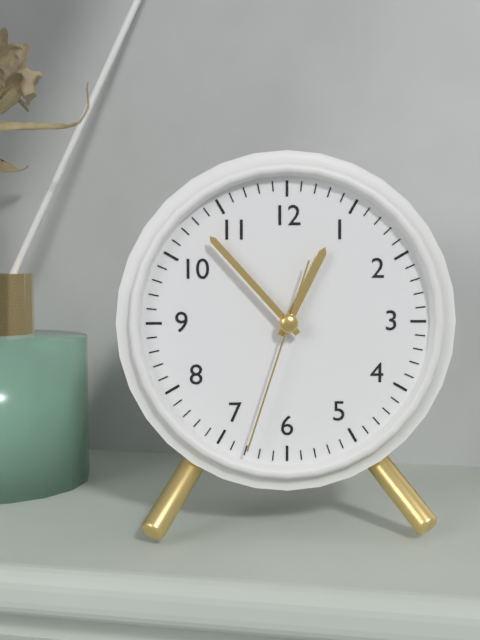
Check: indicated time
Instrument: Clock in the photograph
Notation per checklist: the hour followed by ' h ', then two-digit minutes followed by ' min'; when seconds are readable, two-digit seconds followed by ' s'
12 h 53 min 33 s
